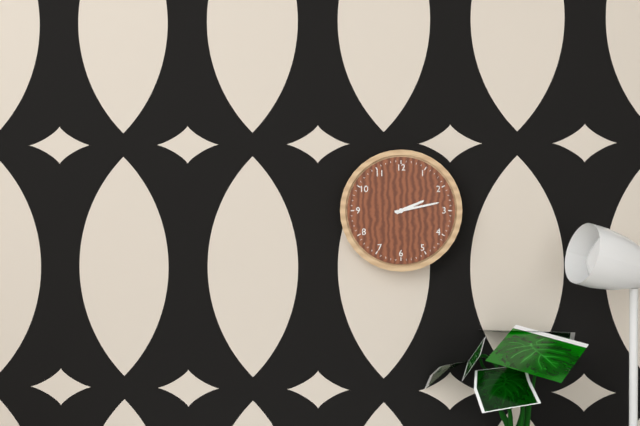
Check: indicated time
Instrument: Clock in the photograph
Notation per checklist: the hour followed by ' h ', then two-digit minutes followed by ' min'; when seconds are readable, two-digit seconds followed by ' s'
2 h 13 min
